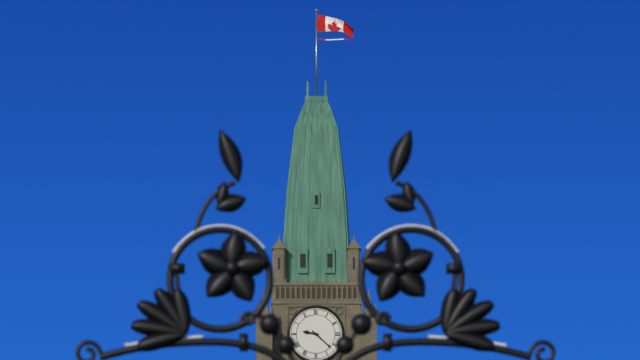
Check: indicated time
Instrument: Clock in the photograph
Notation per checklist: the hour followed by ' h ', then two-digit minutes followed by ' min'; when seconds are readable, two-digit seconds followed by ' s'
9 h 22 min
